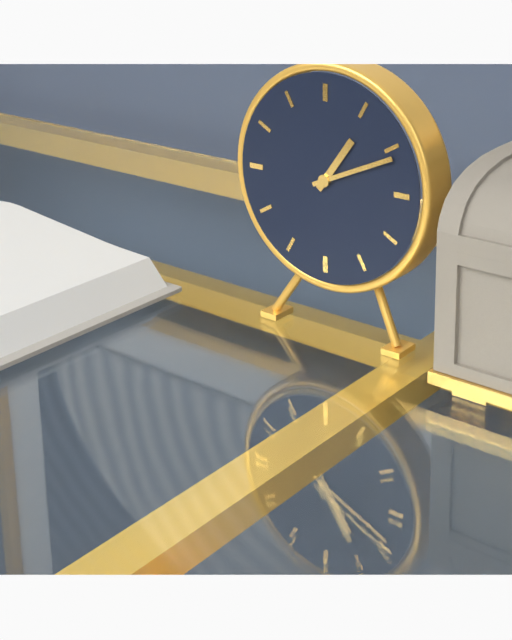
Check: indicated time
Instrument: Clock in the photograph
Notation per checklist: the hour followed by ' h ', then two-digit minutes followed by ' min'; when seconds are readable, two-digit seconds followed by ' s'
1 h 11 min
